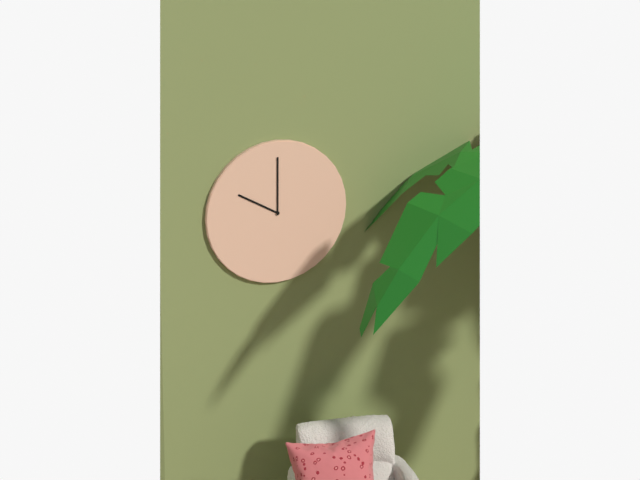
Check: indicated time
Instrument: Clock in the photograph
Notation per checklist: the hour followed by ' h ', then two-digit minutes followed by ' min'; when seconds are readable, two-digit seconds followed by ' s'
10 h 00 min
